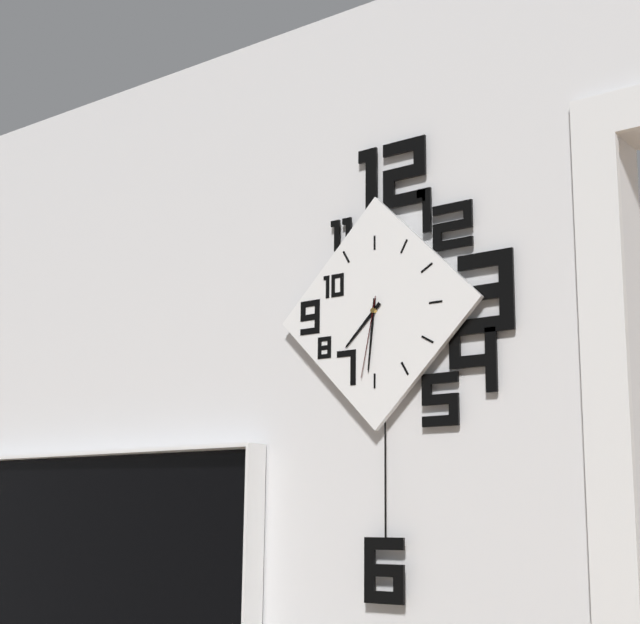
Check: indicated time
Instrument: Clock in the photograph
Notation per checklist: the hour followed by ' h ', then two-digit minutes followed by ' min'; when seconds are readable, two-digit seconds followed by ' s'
7 h 31 min 32 s
